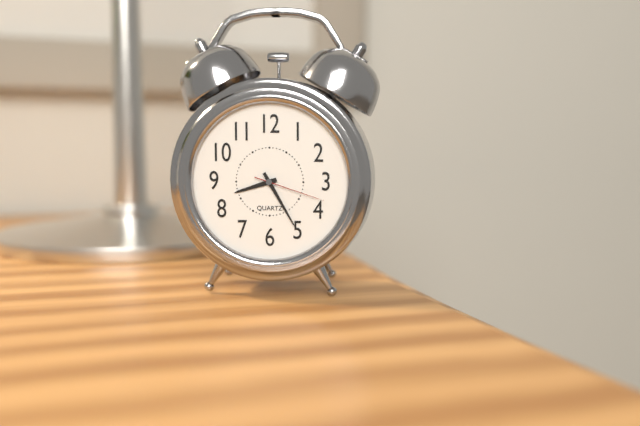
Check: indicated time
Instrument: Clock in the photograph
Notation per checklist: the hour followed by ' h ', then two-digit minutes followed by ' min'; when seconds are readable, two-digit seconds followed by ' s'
8 h 25 min 18 s
